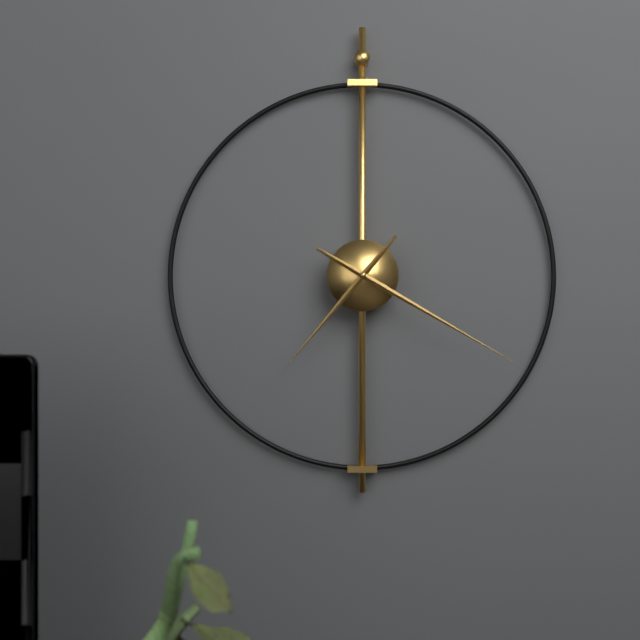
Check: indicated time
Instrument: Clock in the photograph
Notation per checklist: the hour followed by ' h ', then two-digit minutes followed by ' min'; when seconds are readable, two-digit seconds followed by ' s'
7 h 20 min
